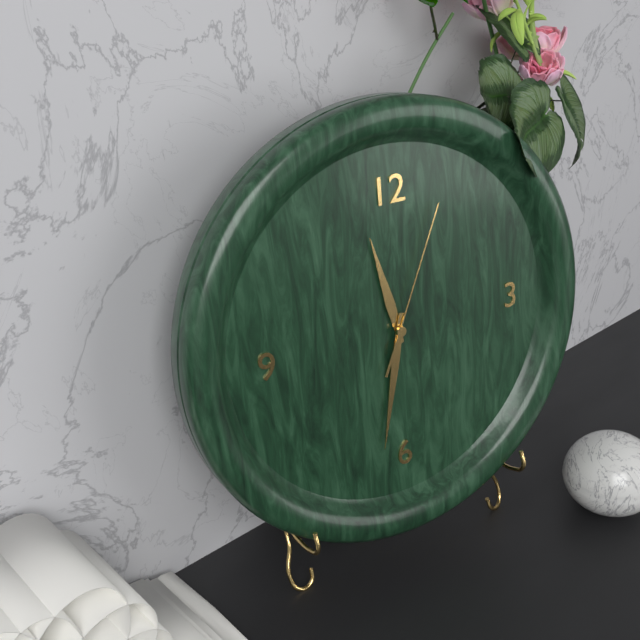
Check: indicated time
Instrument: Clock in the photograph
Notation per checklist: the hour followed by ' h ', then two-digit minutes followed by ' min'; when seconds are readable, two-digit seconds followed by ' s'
11 h 32 min 04 s
